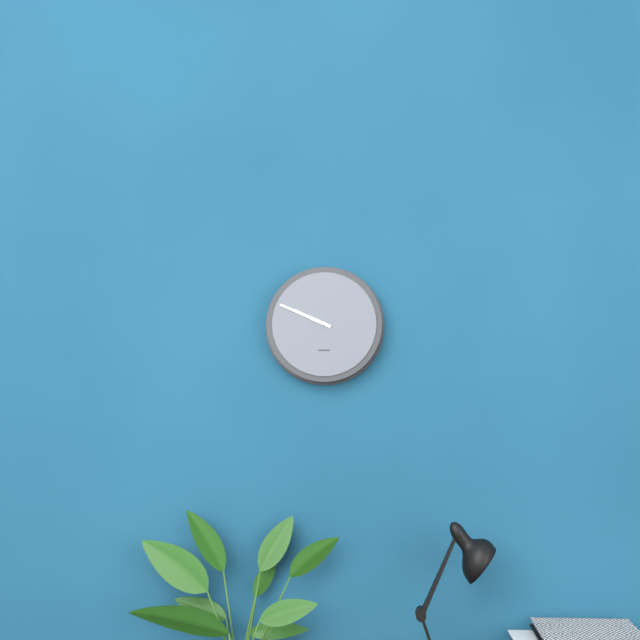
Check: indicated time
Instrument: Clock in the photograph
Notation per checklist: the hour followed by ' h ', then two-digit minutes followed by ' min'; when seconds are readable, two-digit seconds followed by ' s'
9 h 49 min
